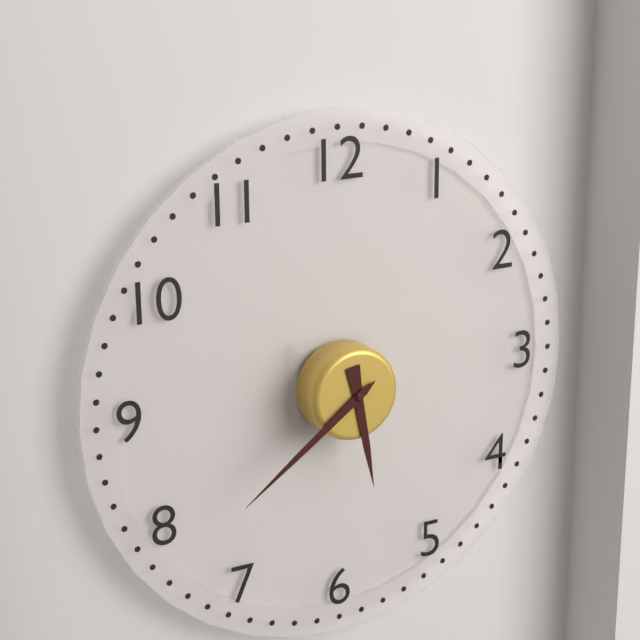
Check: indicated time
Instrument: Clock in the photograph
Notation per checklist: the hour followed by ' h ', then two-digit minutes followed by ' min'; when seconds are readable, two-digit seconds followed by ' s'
5 h 39 min
